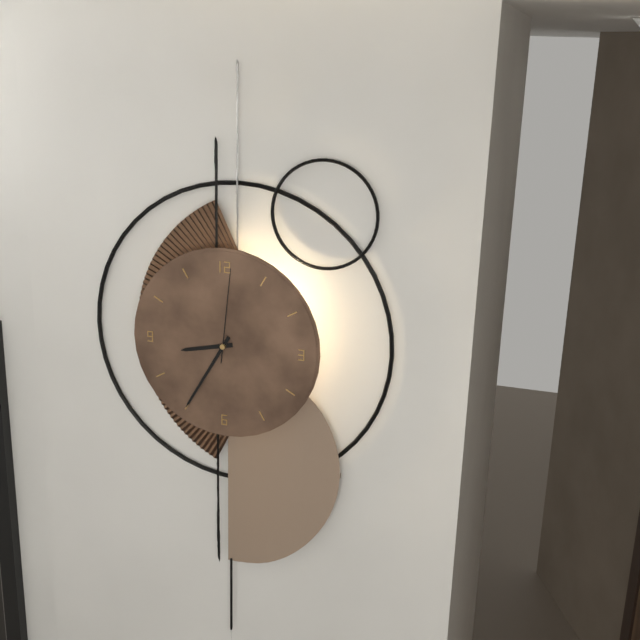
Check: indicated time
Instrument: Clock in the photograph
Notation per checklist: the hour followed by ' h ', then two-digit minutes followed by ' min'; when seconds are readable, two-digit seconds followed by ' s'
8 h 35 min 01 s
